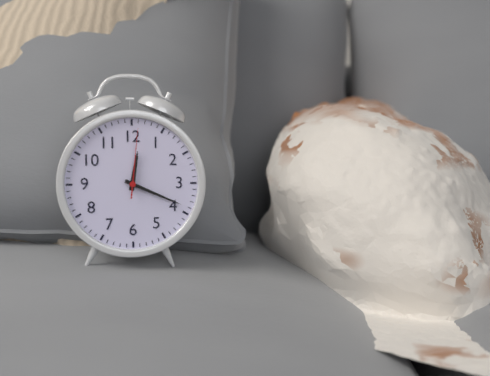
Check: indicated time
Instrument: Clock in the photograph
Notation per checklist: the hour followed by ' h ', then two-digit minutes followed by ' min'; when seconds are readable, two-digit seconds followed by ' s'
12 h 19 min 01 s
